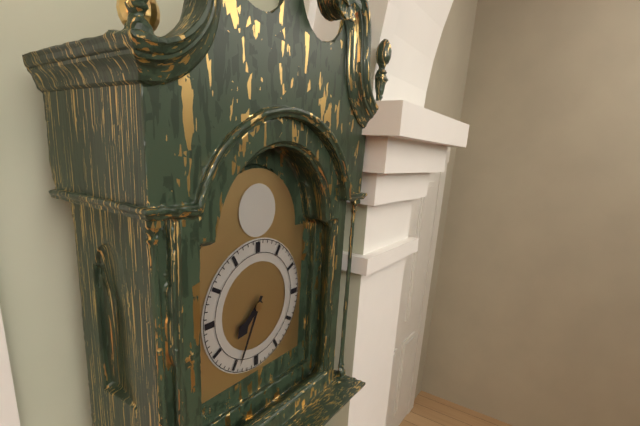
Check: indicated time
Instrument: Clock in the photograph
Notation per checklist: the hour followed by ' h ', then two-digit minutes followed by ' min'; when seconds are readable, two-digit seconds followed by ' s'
7 h 34 min
